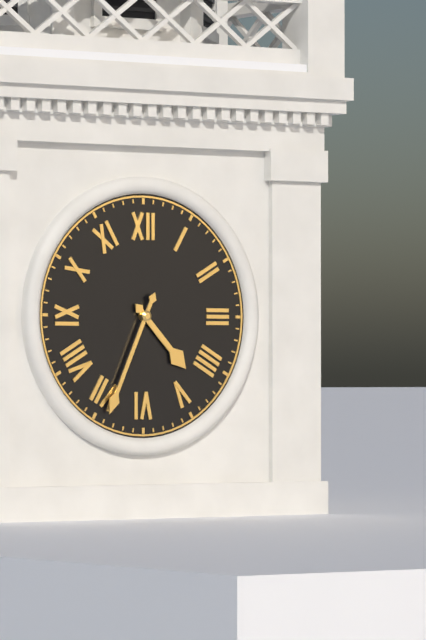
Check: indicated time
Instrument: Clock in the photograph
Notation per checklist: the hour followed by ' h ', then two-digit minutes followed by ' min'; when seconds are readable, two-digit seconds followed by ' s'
4 h 34 min
